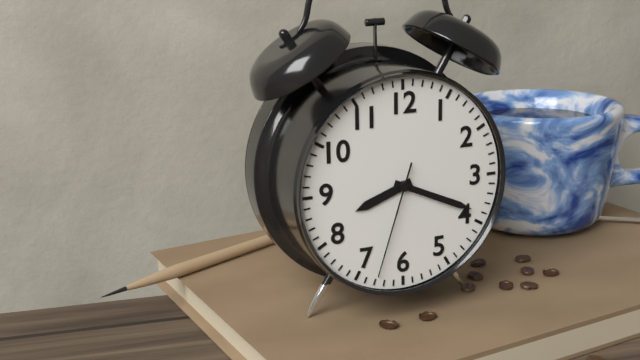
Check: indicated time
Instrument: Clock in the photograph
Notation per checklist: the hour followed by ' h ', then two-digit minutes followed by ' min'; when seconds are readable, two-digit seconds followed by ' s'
8 h 19 min 33 s
